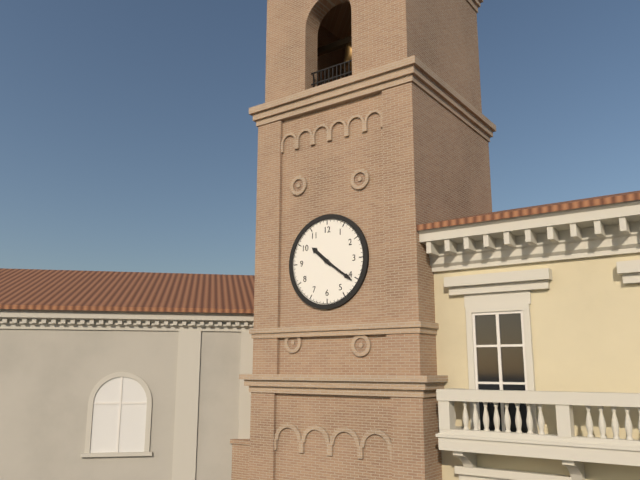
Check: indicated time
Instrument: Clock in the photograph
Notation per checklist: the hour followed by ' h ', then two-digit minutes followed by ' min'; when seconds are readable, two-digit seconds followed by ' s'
10 h 21 min
